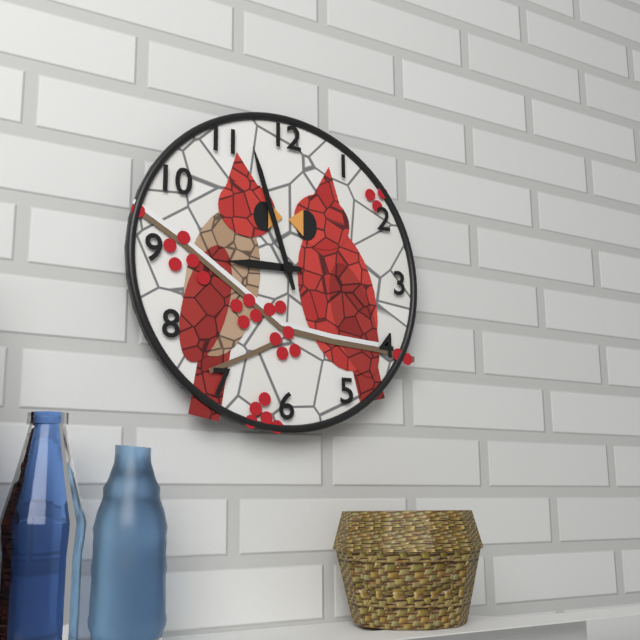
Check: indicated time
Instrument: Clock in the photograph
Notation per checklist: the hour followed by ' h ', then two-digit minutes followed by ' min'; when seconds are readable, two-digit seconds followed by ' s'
8 h 57 min
